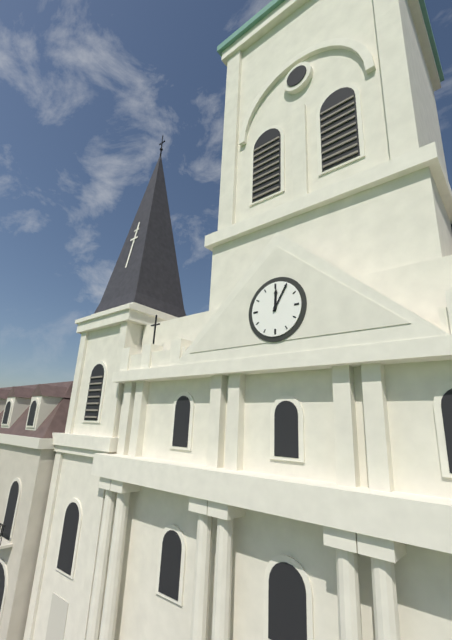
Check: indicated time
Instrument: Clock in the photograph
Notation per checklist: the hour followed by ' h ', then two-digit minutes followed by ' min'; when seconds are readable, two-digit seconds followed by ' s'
12 h 05 min
